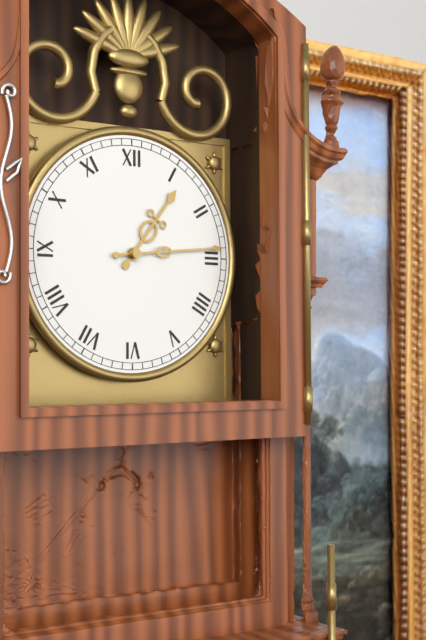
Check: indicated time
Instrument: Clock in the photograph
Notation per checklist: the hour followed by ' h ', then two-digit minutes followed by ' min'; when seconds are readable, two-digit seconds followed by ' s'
1 h 14 min
